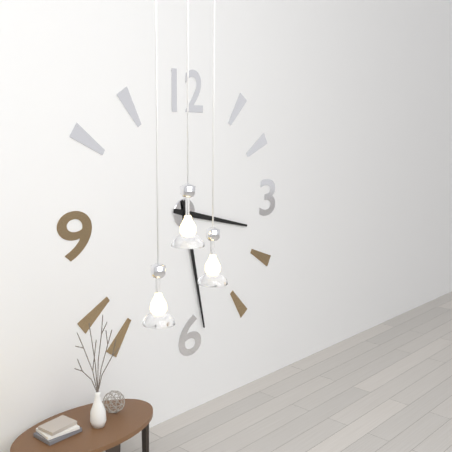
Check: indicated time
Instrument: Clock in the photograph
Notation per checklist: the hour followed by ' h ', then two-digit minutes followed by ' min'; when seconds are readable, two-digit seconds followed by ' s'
3 h 28 min
